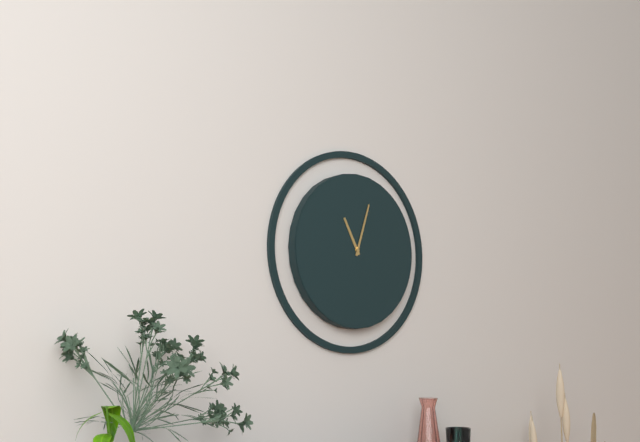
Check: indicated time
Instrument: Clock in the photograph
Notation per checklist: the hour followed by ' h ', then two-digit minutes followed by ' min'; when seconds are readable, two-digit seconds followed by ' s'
11 h 03 min
